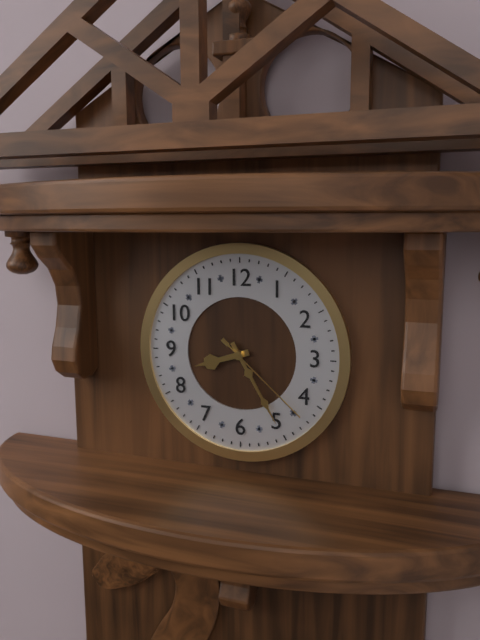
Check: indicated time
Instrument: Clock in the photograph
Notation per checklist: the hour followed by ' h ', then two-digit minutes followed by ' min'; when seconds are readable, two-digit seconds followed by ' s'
8 h 25 min 22 s
